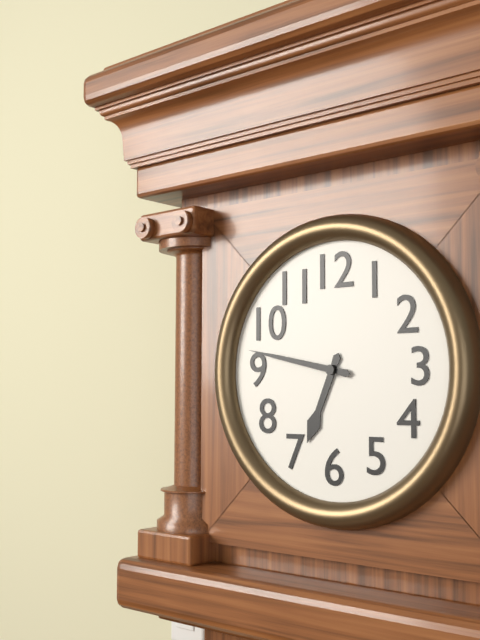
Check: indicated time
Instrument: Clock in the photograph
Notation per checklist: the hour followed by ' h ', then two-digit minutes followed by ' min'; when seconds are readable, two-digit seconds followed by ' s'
6 h 47 min
